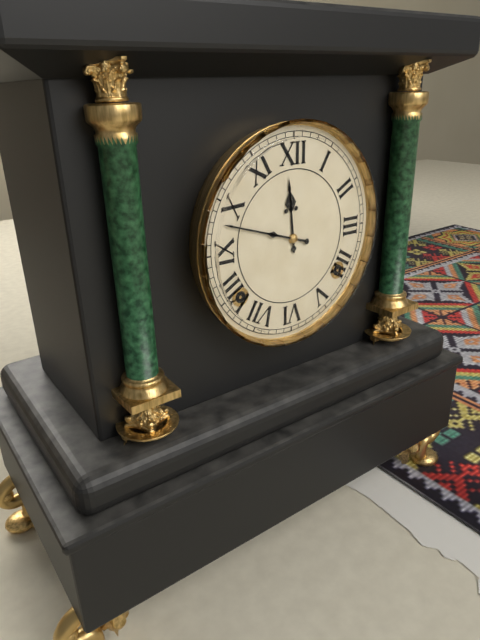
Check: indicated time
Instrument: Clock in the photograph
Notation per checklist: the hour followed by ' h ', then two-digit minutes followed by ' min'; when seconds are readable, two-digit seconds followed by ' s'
11 h 48 min
